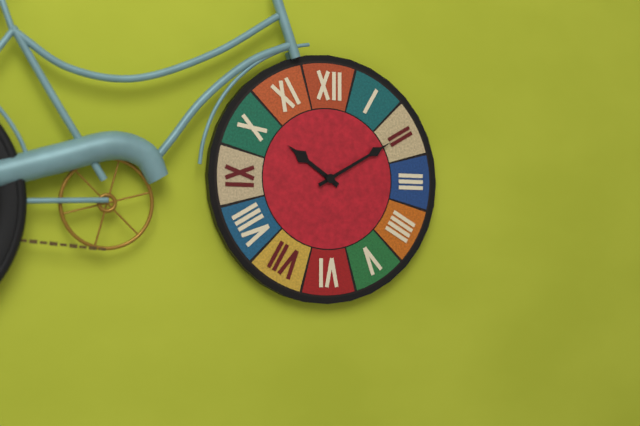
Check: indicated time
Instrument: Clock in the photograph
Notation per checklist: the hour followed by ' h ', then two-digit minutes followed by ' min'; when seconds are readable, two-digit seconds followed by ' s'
10 h 10 min
